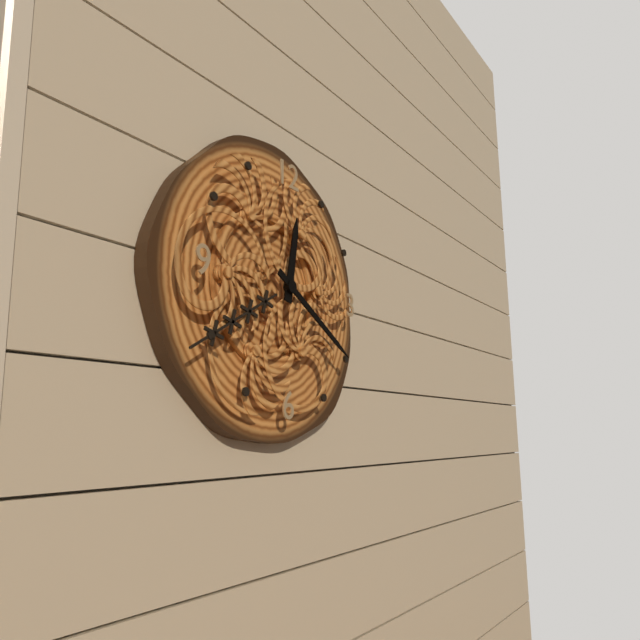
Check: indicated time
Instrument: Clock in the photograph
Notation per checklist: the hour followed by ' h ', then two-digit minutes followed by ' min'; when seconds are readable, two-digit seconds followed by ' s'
12 h 20 min
